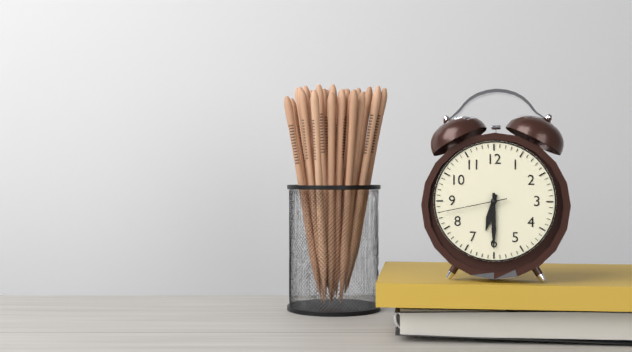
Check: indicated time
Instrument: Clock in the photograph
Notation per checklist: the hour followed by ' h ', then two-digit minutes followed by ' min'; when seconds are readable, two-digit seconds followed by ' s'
6 h 30 min 43 s
